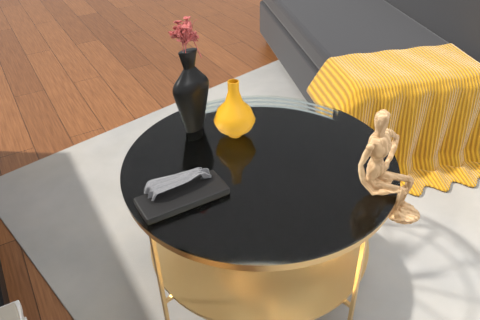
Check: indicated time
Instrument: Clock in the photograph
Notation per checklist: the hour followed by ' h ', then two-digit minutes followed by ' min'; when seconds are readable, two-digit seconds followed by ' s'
7 h 21 min
